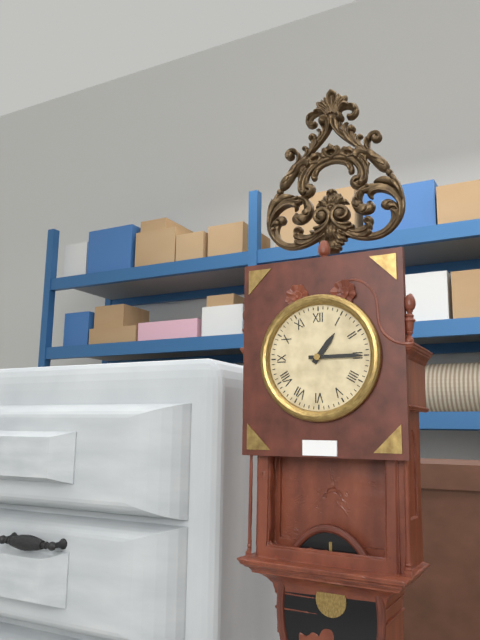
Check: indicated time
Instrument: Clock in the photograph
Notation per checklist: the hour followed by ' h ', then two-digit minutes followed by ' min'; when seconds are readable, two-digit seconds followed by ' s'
1 h 15 min
